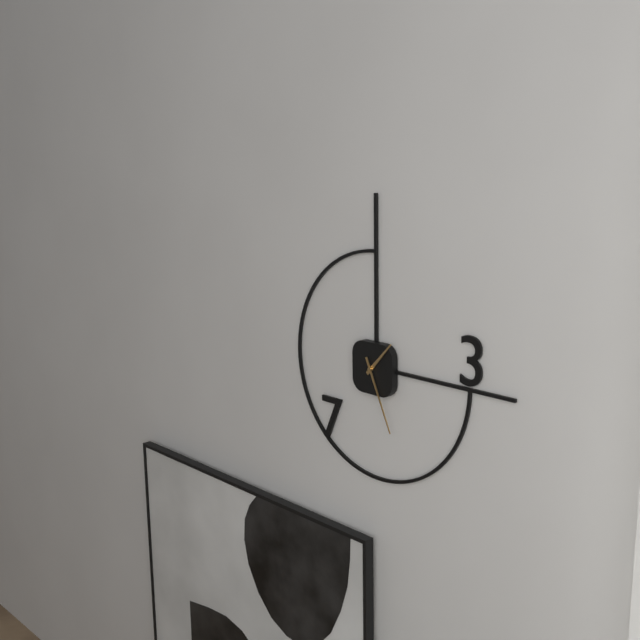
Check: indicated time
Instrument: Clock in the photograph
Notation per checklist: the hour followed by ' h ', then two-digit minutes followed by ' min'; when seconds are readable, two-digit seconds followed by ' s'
1 h 26 min
